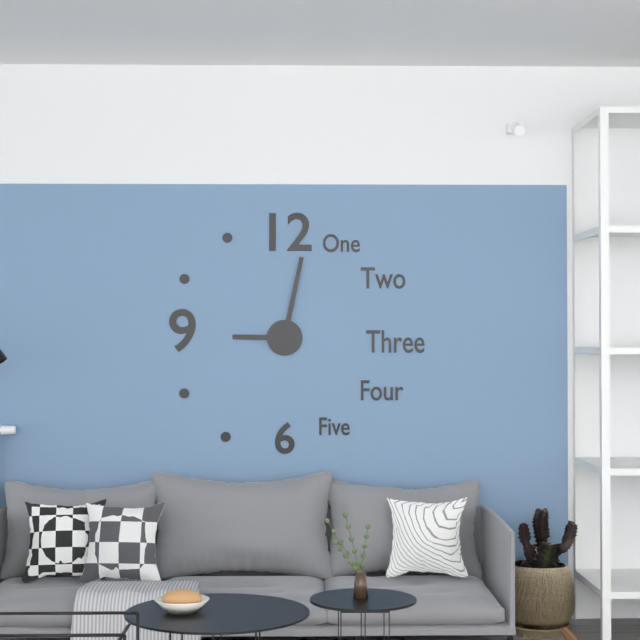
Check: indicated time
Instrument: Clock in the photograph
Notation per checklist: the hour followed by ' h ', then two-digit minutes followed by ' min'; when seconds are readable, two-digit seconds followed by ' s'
9 h 02 min
